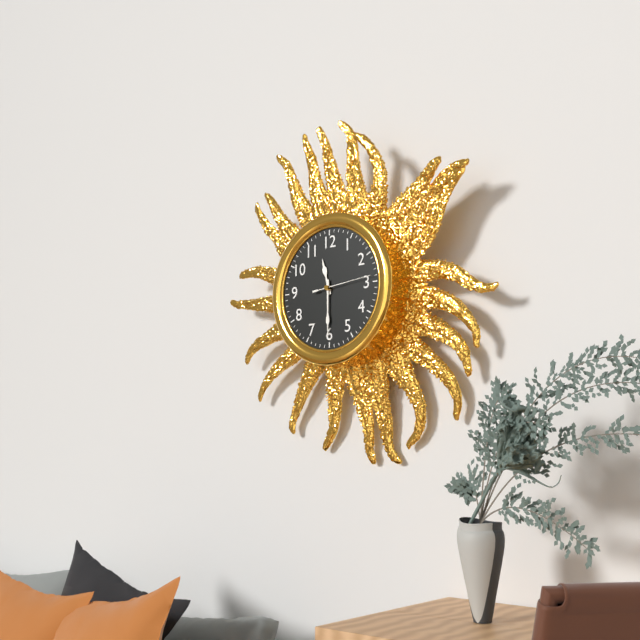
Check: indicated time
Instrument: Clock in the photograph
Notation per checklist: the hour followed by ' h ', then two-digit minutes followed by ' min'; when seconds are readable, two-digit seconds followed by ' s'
11 h 30 min 14 s
